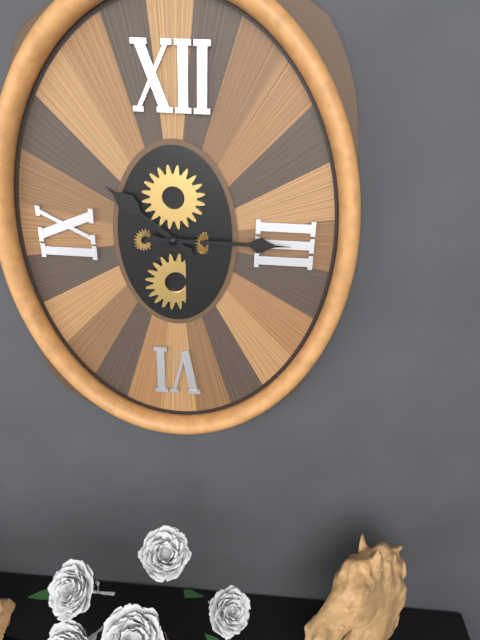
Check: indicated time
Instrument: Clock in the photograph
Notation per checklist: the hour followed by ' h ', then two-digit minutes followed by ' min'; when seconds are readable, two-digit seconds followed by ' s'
10 h 15 min
